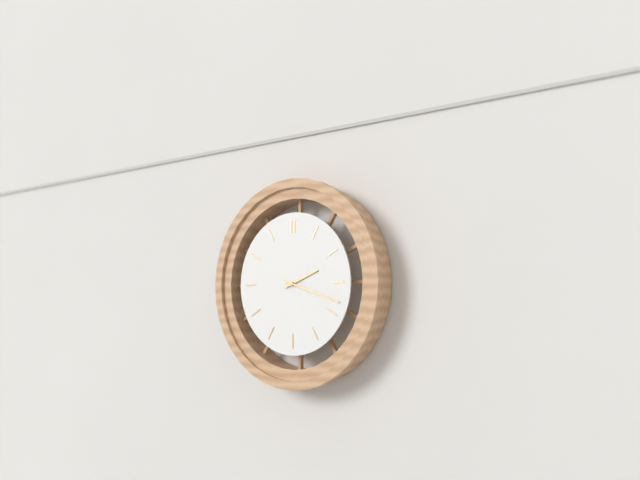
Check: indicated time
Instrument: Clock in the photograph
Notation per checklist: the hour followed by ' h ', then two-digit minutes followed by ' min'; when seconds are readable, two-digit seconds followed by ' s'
2 h 18 min
